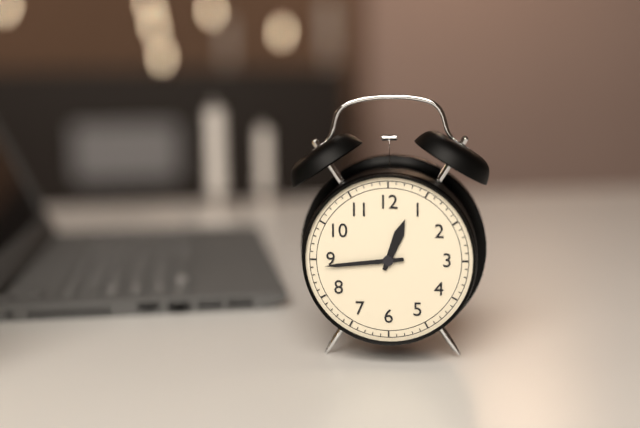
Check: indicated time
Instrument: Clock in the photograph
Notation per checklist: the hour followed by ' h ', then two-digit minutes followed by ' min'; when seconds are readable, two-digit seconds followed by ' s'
12 h 44 min
